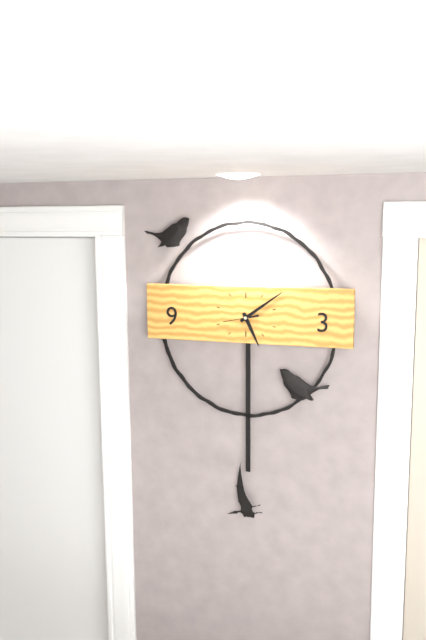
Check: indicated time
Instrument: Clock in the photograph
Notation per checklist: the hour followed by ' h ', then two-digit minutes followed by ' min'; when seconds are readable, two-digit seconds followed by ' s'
5 h 09 min
